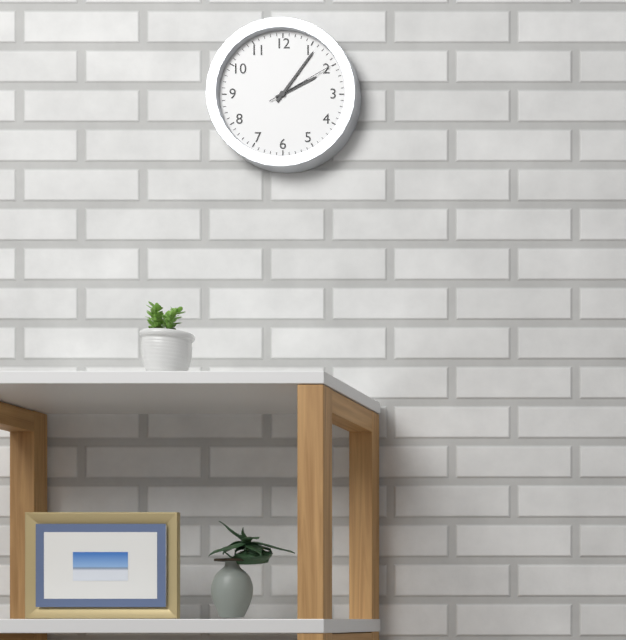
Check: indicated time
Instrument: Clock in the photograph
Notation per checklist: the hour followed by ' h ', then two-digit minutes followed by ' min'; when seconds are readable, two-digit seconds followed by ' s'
2 h 06 min 10 s
